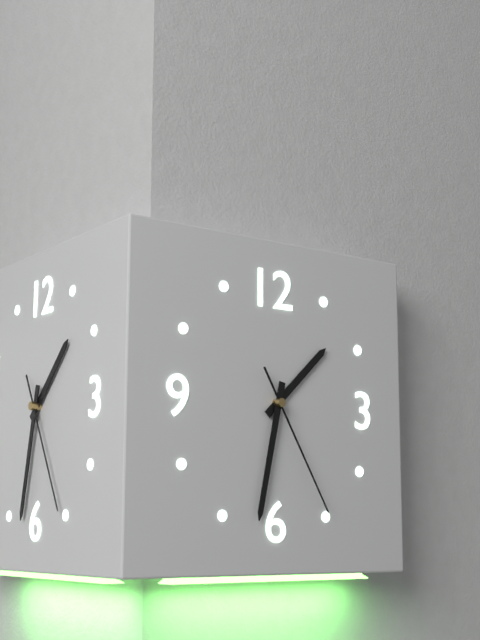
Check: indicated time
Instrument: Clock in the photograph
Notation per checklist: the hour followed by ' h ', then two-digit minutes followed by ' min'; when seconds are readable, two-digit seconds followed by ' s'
1 h 32 min 25 s
